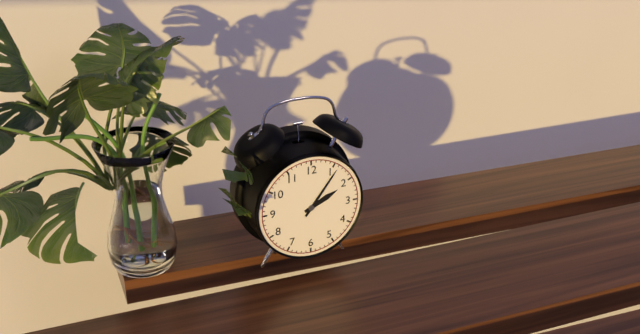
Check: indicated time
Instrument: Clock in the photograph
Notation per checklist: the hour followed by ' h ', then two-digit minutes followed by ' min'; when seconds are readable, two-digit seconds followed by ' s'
2 h 06 min
